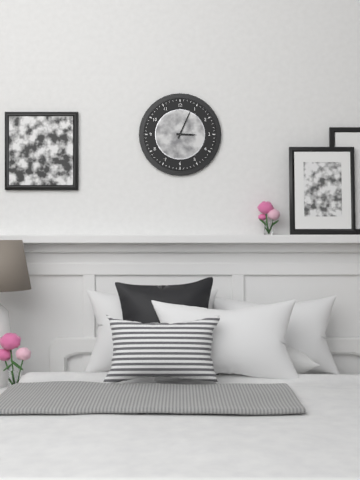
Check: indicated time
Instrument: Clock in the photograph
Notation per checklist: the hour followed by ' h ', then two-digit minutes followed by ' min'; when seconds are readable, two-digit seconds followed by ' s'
3 h 04 min
